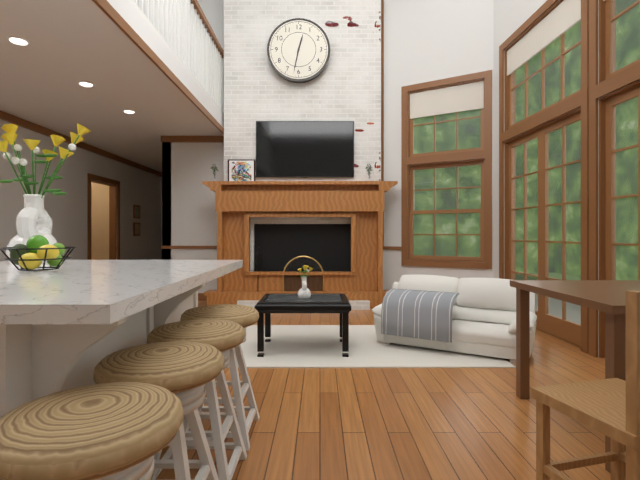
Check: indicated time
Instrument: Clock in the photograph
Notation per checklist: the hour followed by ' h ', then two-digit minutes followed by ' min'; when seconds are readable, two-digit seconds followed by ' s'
12 h 32 min
